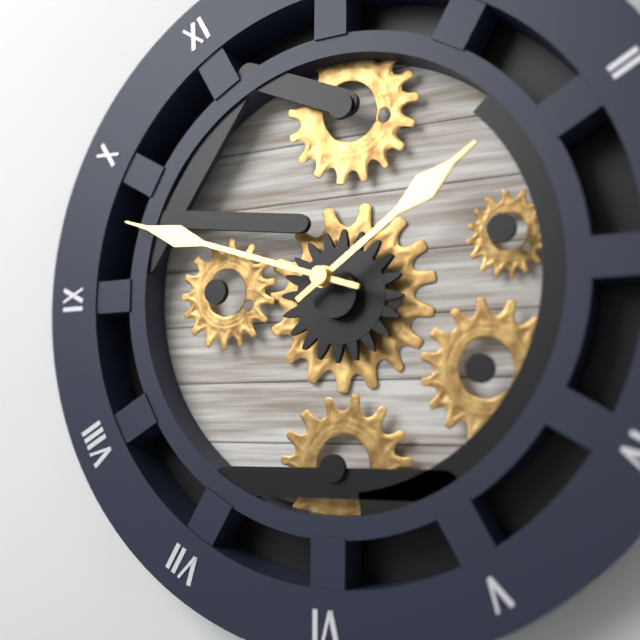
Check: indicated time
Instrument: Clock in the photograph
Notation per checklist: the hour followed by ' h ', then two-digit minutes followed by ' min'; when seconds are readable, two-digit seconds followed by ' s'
1 h 48 min
